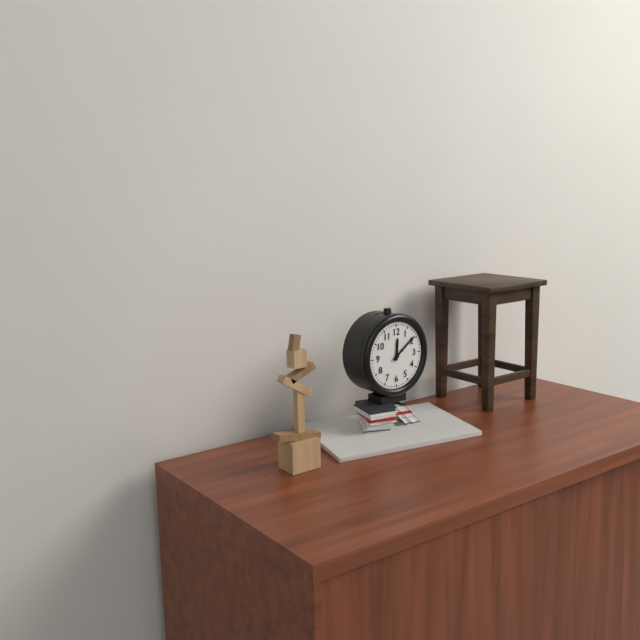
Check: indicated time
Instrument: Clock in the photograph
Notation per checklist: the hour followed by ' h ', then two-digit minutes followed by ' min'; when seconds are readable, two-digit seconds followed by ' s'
12 h 09 min
